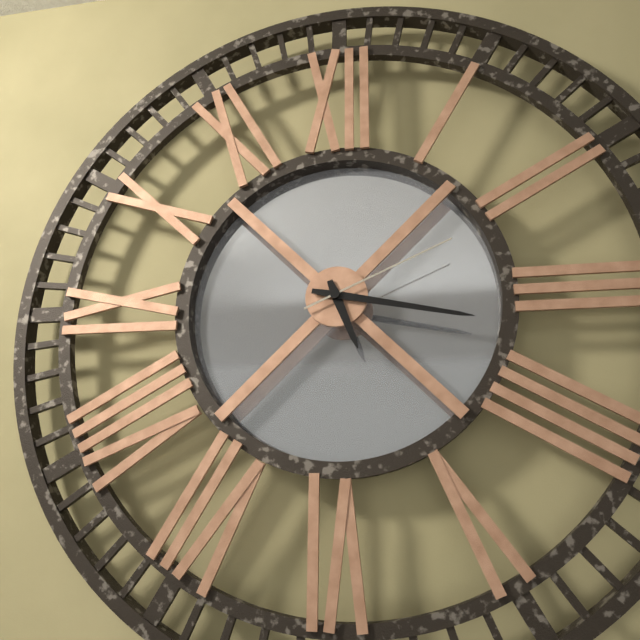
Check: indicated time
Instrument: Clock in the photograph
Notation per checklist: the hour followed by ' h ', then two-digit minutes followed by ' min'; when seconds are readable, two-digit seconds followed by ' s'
5 h 17 min 11 s
